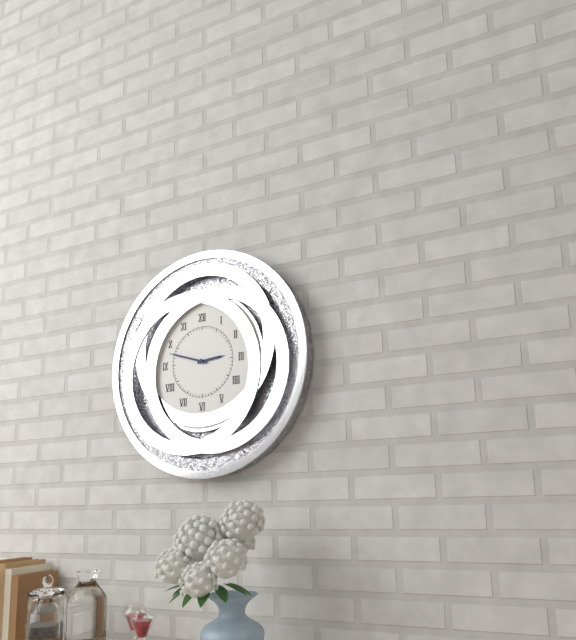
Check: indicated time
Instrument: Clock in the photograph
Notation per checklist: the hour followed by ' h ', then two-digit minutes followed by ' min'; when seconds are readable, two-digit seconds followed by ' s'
2 h 48 min
